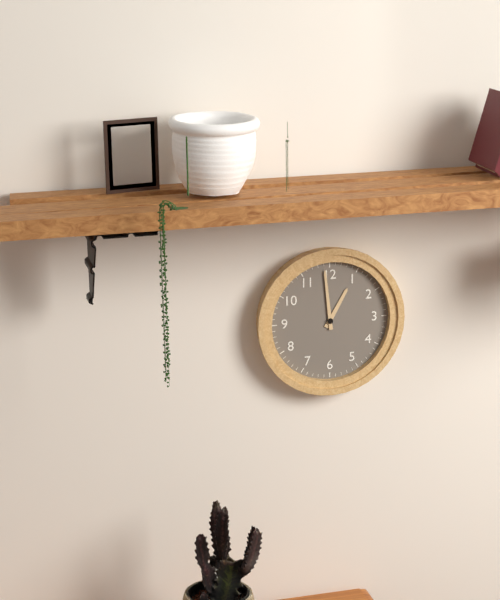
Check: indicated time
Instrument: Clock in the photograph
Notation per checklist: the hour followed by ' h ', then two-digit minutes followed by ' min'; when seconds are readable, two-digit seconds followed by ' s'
12 h 59 min
